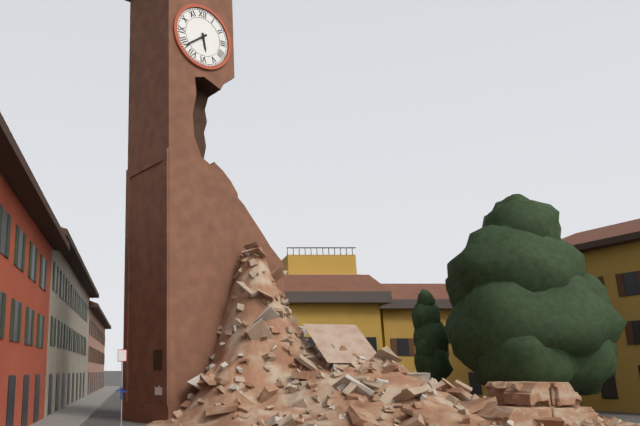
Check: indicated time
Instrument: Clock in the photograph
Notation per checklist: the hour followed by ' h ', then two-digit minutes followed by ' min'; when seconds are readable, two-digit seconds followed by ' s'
5 h 39 min
